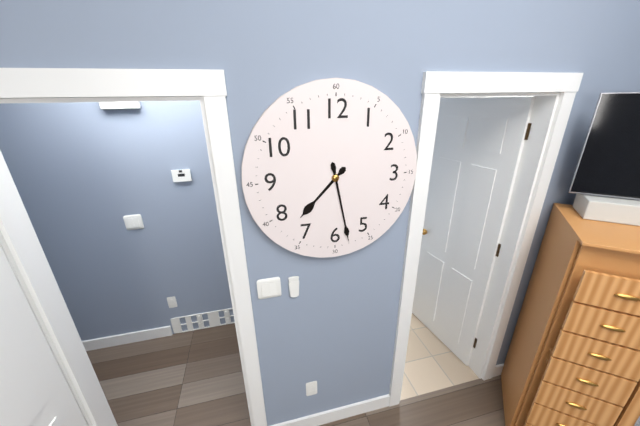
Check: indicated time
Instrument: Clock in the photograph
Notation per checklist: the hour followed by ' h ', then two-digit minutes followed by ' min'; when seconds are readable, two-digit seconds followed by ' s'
7 h 28 min
